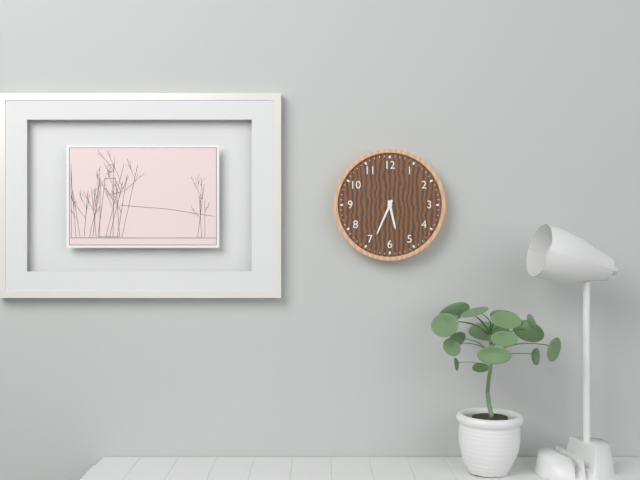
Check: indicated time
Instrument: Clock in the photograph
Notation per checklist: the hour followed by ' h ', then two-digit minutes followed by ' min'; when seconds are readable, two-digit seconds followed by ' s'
5 h 34 min
